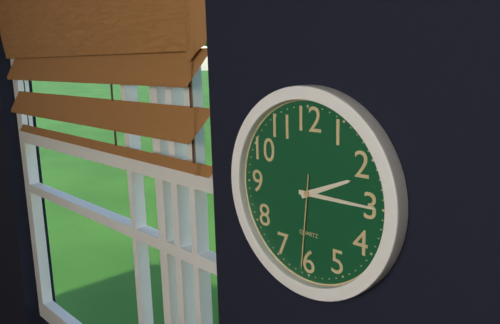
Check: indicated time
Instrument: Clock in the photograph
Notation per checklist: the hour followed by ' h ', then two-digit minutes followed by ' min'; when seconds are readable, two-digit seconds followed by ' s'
2 h 15 min 31 s
